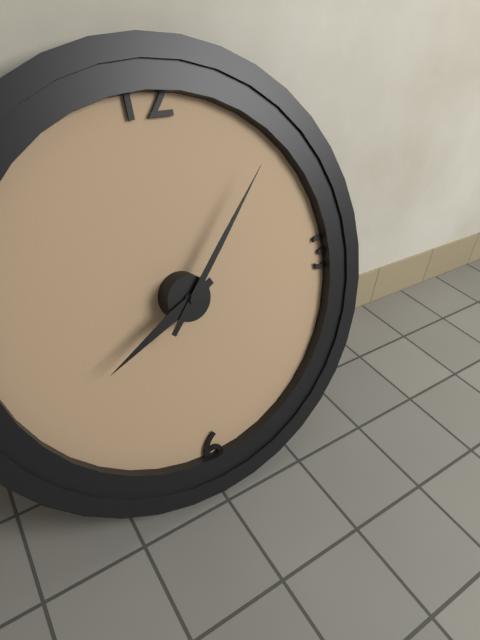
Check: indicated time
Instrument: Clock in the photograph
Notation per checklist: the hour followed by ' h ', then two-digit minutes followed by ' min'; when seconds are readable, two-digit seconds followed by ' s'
8 h 07 min
